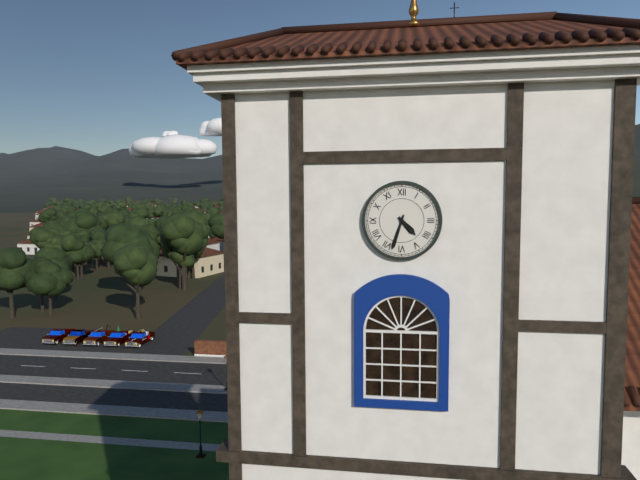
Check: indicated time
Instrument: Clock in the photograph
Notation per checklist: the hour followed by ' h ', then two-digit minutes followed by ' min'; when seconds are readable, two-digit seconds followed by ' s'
4 h 33 min
